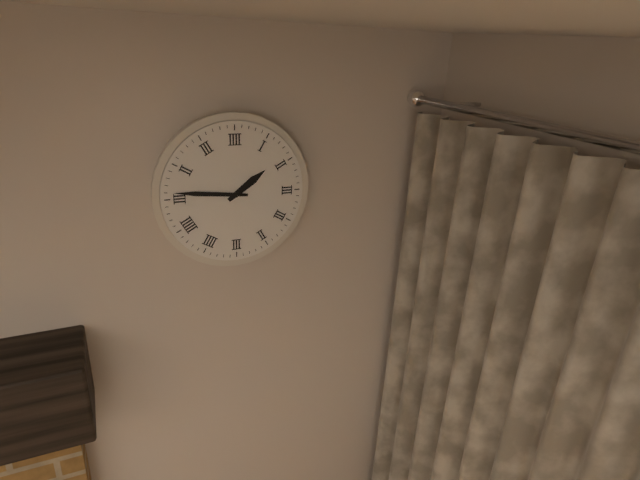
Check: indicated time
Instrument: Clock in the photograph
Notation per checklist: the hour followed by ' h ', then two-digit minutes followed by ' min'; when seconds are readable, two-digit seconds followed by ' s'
1 h 46 min
